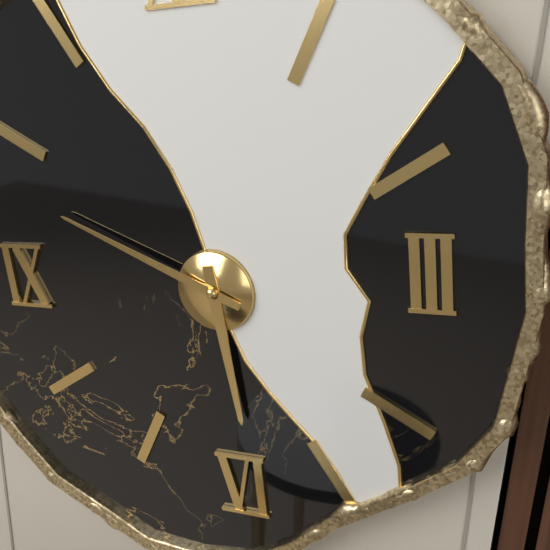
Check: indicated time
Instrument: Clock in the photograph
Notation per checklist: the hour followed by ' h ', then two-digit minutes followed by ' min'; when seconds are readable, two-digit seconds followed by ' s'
5 h 49 min
